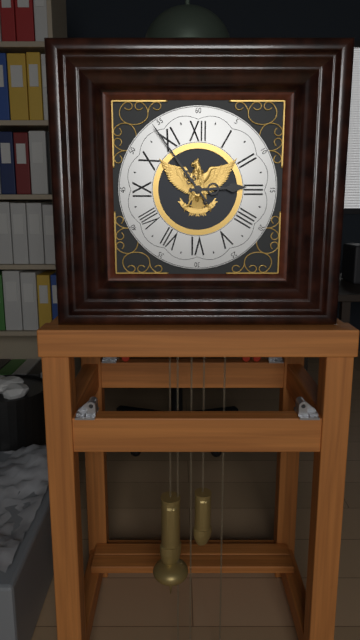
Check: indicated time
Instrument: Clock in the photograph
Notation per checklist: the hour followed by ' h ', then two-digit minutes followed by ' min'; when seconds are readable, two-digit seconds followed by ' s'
2 h 54 min
